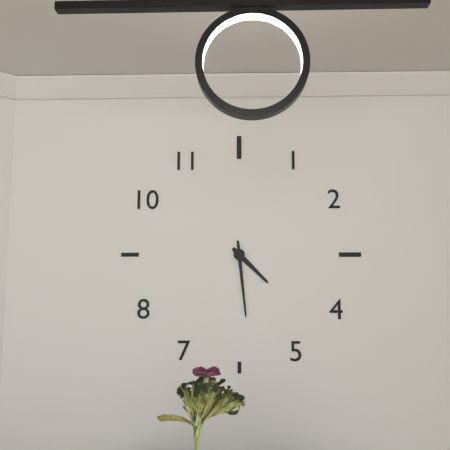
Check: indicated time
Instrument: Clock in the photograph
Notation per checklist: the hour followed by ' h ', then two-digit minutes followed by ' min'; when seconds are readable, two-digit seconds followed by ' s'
4 h 29 min
